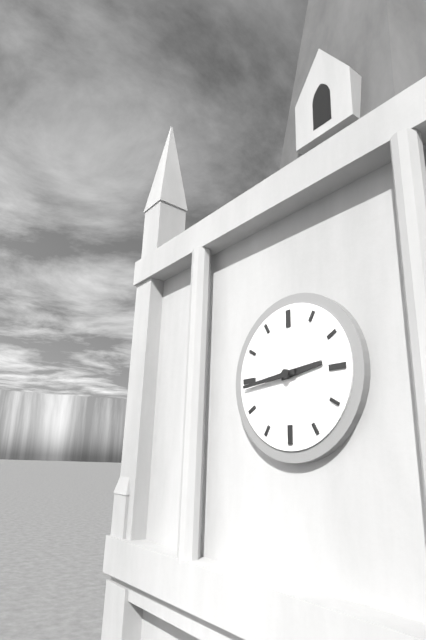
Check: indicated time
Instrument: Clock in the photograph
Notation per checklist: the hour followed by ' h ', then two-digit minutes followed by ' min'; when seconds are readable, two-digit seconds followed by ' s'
2 h 44 min
